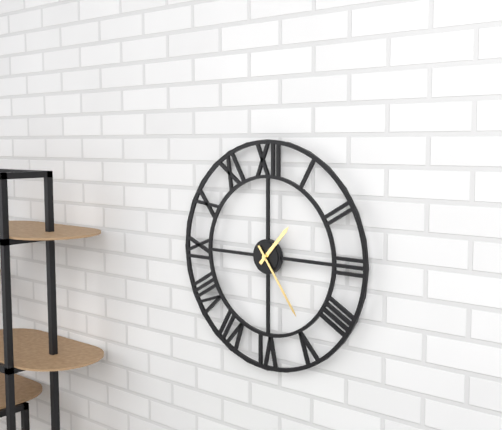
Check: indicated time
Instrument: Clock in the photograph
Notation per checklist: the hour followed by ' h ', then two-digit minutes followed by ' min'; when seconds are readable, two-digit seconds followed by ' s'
1 h 24 min
